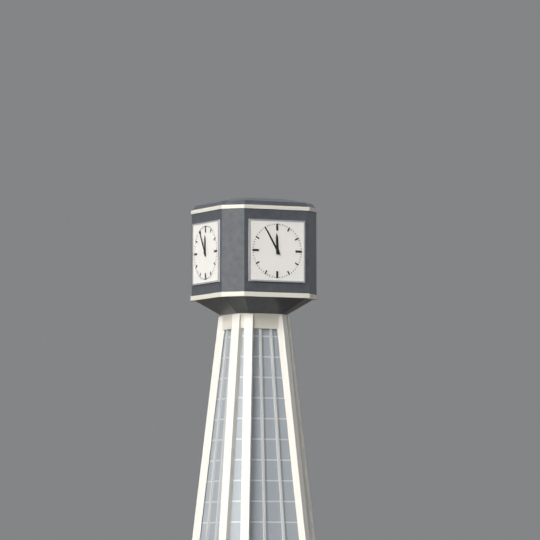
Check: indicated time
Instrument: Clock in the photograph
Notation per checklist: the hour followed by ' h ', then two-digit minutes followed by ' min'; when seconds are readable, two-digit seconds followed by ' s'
11 h 55 min
